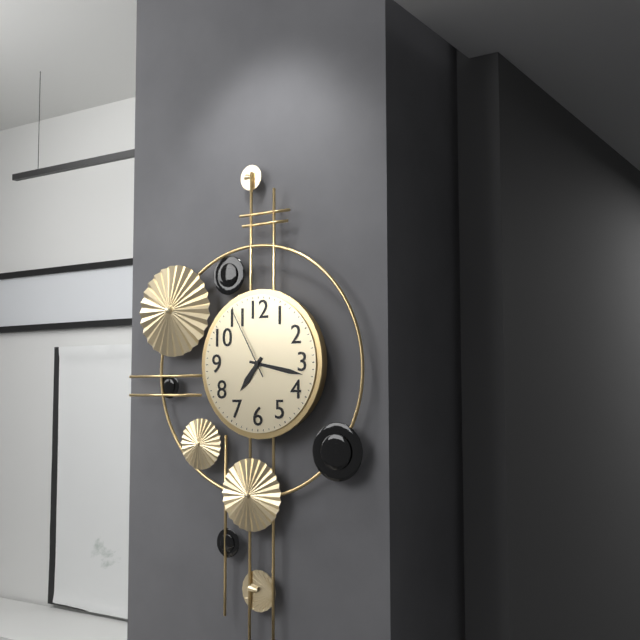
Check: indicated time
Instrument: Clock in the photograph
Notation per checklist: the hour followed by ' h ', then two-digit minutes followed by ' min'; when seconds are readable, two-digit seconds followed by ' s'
7 h 17 min 55 s
